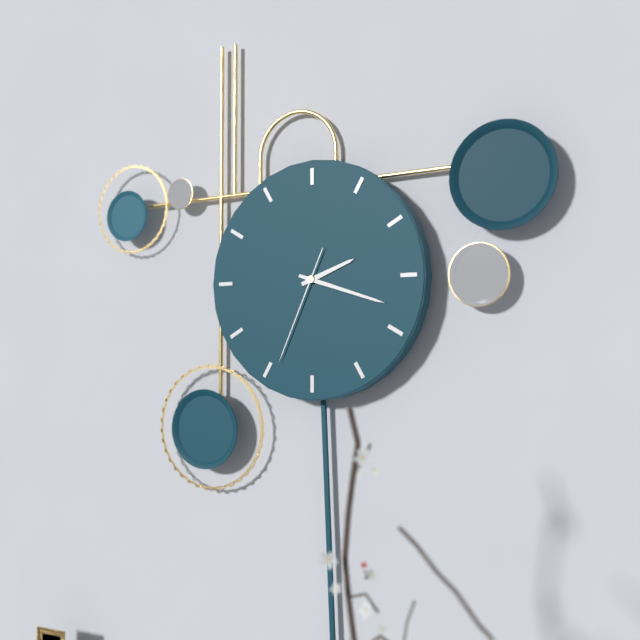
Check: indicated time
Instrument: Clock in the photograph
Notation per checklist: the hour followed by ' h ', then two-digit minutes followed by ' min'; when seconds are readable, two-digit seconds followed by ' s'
2 h 18 min 34 s
